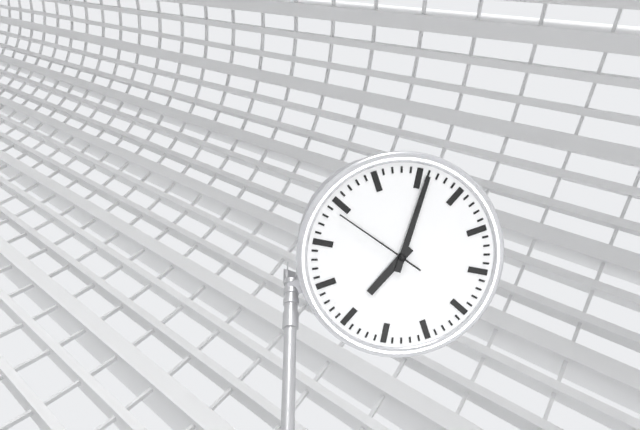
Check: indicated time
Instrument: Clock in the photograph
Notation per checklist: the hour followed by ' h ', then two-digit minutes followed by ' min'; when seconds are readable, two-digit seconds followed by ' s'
7 h 01 min 49 s
